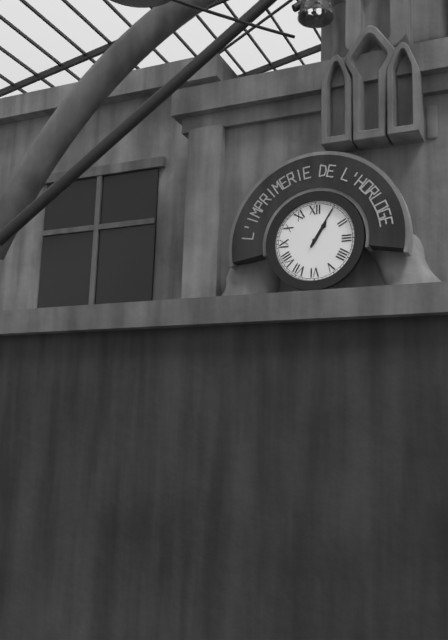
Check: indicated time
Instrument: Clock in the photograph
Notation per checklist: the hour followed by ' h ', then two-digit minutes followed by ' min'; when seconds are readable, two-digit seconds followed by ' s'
1 h 05 min
